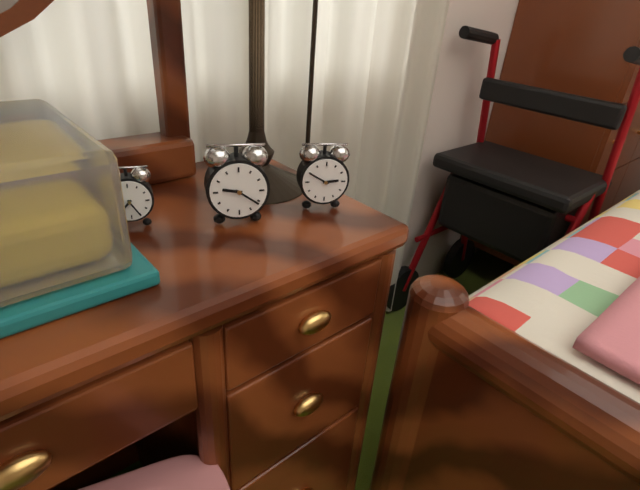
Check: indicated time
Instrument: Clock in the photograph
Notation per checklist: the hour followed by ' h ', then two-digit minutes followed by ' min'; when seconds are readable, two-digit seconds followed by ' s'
9 h 21 min
